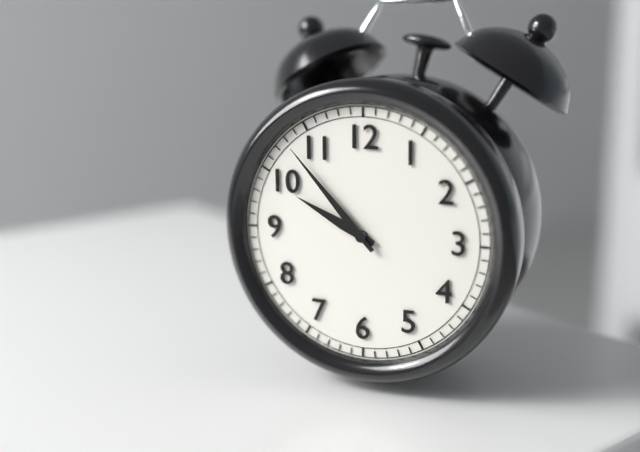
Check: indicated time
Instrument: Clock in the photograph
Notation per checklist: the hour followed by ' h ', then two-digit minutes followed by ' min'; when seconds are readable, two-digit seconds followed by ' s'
9 h 53 min
